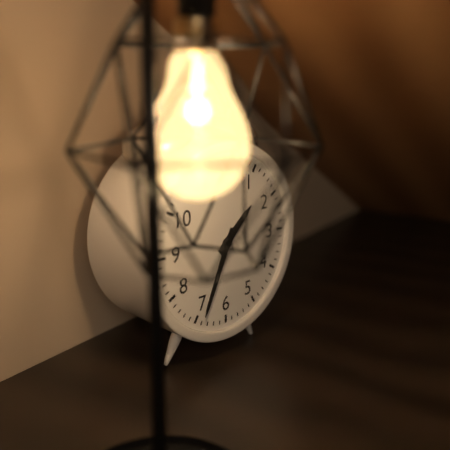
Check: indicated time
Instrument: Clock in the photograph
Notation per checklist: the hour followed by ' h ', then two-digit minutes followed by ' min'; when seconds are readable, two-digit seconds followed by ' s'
1 h 34 min
